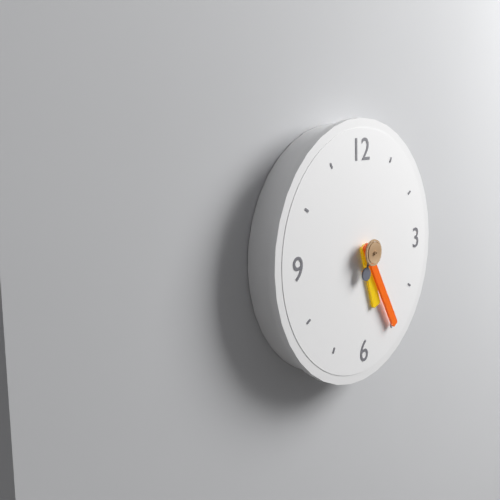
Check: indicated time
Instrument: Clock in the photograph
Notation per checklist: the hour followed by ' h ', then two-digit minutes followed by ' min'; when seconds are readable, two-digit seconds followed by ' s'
5 h 25 min
